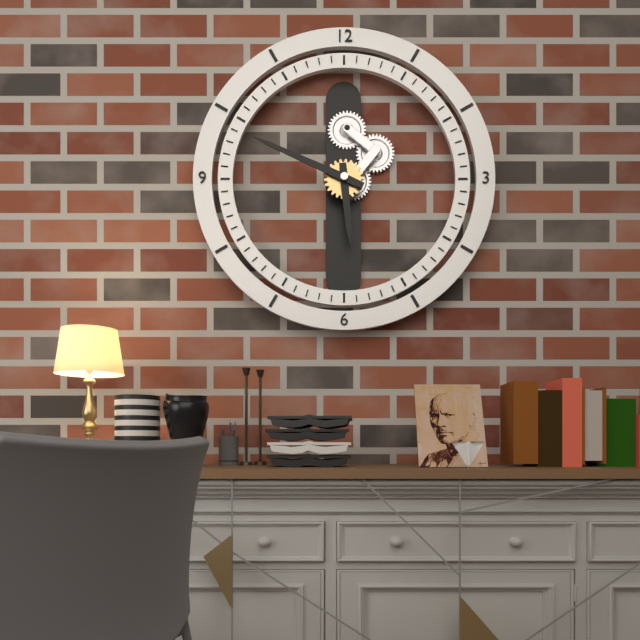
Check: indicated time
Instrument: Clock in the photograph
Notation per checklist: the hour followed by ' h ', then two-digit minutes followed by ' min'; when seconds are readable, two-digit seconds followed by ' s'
5 h 49 min
